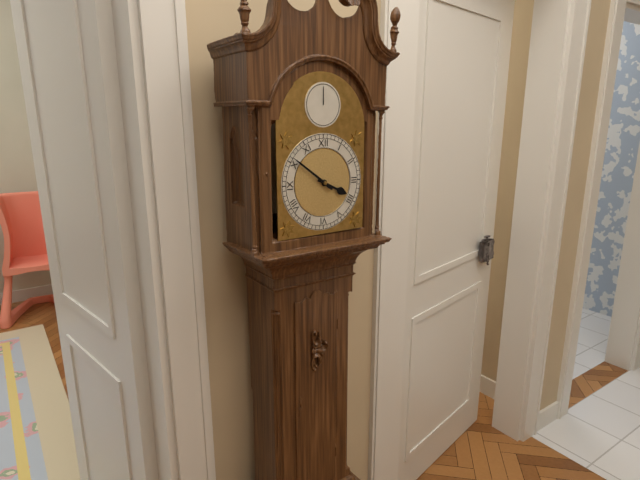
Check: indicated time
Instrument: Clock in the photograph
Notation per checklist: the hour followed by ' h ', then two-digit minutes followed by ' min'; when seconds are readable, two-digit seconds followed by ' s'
3 h 51 min
